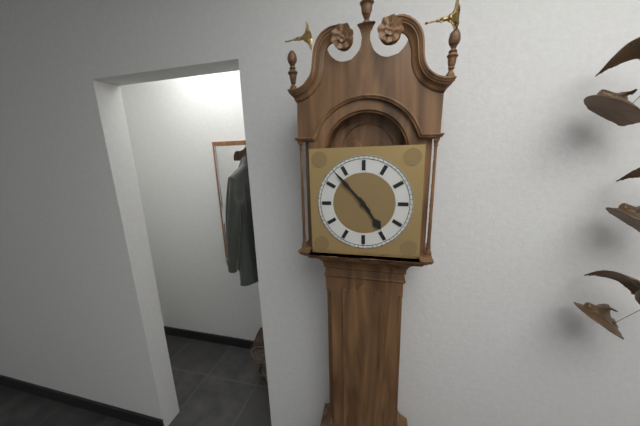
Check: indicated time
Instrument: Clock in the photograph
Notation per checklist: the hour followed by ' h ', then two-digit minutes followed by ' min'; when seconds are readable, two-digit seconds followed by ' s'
4 h 53 min
